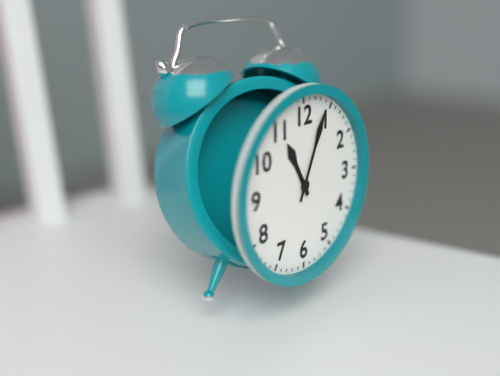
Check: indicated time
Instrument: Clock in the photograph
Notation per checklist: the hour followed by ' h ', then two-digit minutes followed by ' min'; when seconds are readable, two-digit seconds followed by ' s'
11 h 04 min
